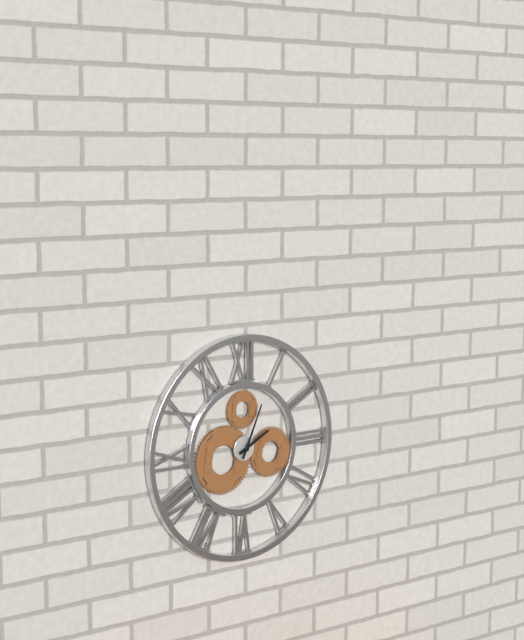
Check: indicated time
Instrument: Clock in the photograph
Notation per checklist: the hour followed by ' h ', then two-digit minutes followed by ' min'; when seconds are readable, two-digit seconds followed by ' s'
2 h 04 min
